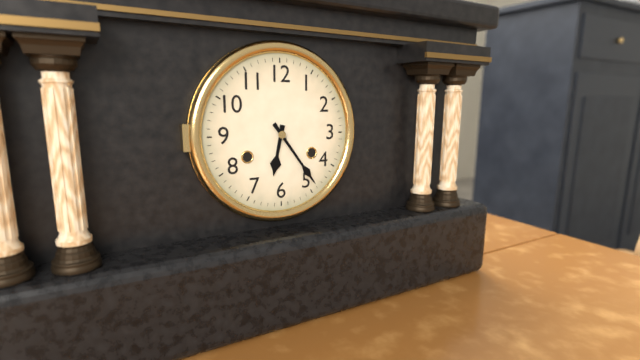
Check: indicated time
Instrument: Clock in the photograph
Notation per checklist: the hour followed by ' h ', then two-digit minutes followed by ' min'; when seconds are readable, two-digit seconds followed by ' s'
6 h 24 min
